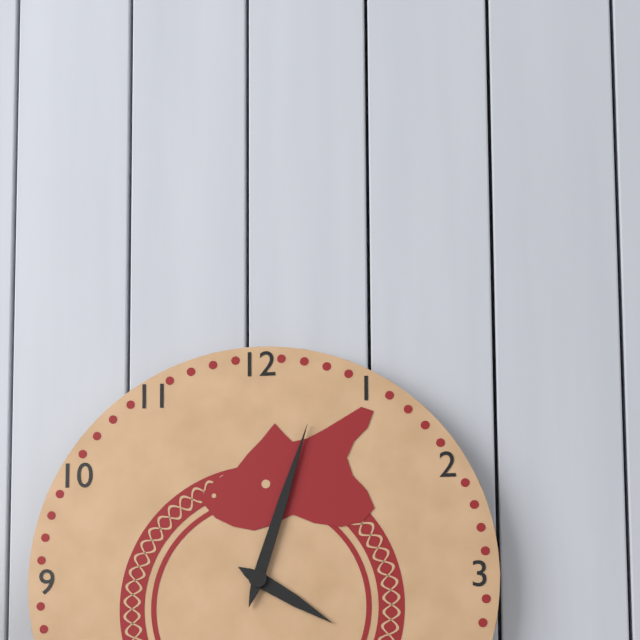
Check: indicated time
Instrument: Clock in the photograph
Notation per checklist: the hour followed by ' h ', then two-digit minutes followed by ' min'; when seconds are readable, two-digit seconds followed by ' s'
4 h 03 min
